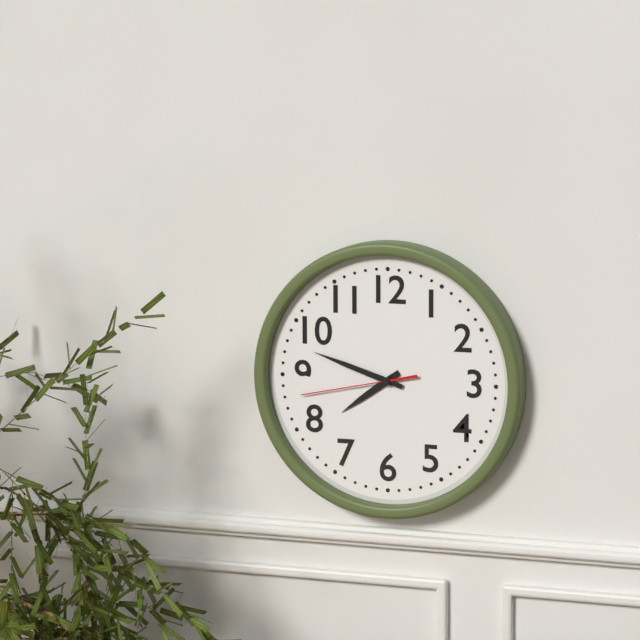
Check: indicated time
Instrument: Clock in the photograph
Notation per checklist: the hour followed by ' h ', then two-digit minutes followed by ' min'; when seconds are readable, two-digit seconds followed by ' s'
7 h 48 min 43 s
